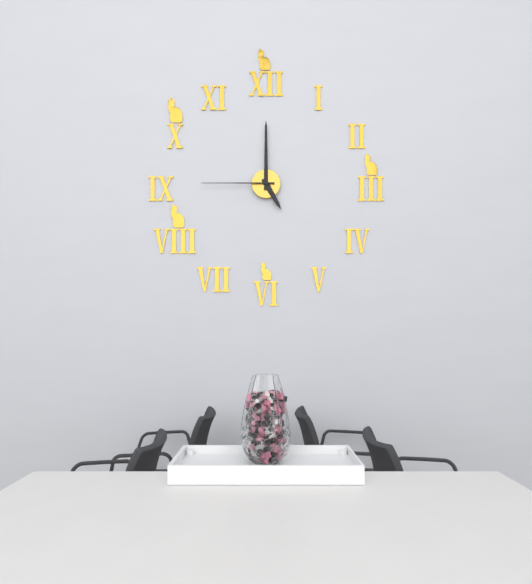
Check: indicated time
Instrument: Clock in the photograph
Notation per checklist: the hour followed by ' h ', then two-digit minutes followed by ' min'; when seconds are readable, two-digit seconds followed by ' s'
5 h 00 min 45 s
